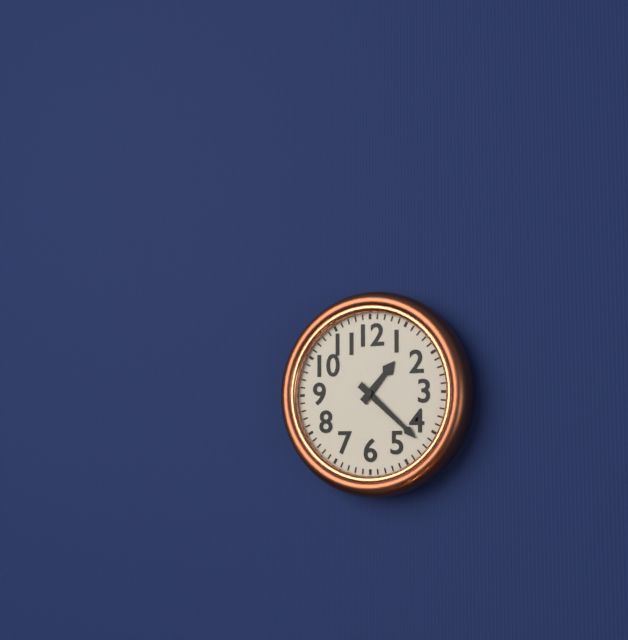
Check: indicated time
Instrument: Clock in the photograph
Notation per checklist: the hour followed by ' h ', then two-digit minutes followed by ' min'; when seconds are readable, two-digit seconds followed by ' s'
1 h 22 min
